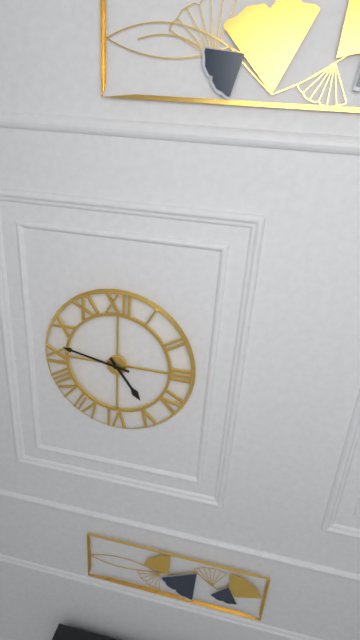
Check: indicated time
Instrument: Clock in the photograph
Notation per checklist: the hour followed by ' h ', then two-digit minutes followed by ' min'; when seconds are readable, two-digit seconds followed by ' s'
4 h 47 min
